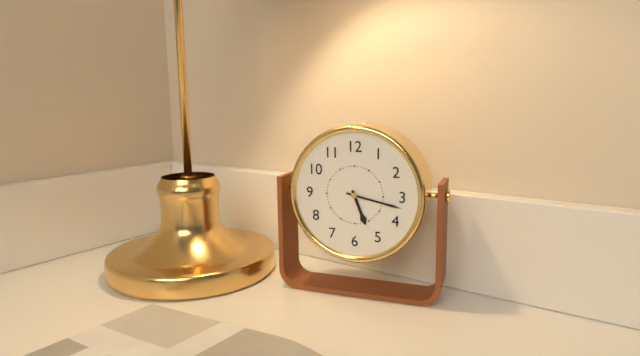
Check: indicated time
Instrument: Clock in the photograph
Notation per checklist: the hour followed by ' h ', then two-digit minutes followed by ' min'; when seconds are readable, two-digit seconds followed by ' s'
5 h 17 min
